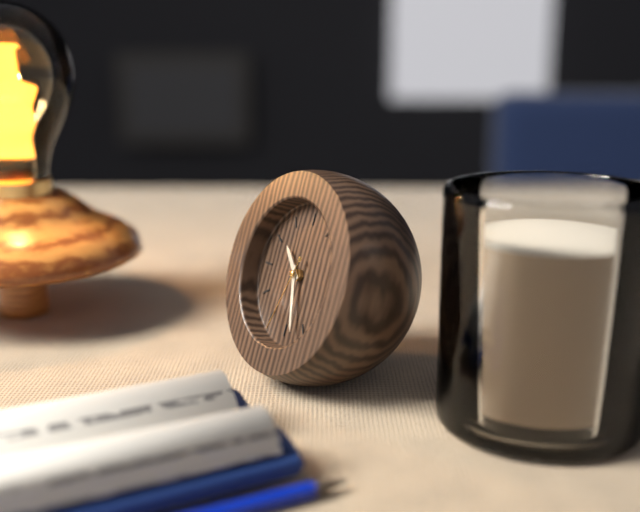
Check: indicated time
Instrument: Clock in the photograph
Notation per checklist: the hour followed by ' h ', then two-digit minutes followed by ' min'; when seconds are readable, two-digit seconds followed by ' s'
10 h 27 min 33 s
